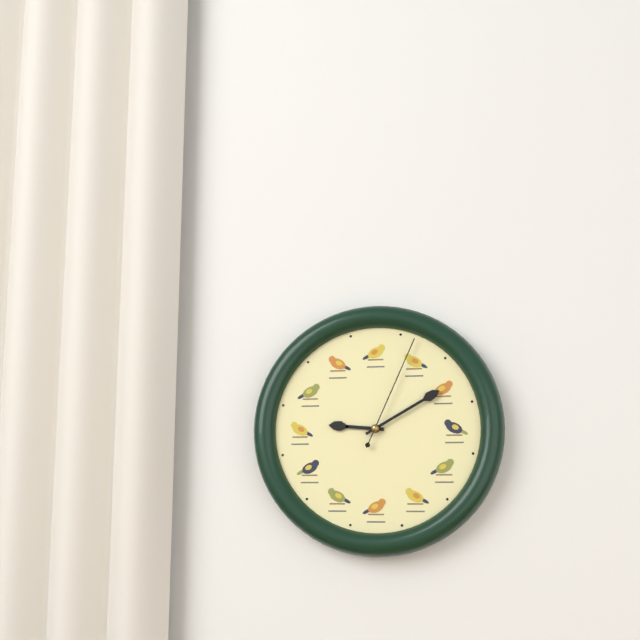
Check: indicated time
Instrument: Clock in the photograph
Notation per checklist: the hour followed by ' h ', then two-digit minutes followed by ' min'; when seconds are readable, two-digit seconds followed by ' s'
9 h 10 min 04 s
